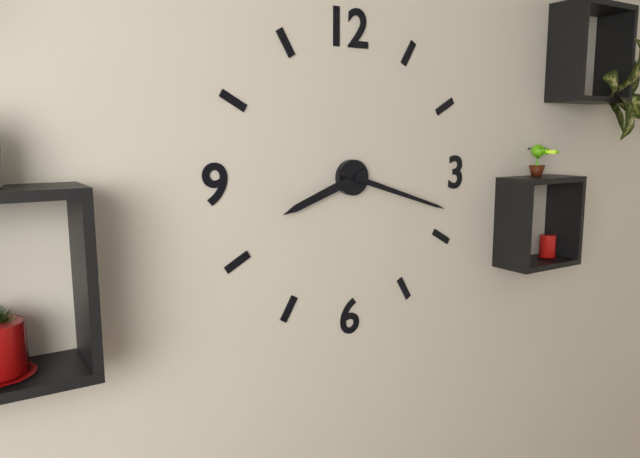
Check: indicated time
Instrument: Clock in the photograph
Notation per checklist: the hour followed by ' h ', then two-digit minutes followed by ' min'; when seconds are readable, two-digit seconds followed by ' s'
8 h 18 min
